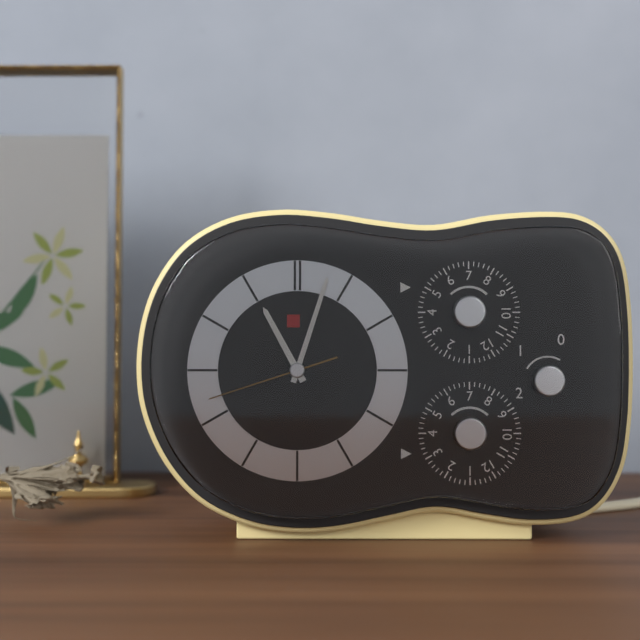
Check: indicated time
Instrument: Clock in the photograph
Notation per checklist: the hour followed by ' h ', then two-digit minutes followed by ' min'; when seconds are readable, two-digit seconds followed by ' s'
11 h 03 min 42 s
